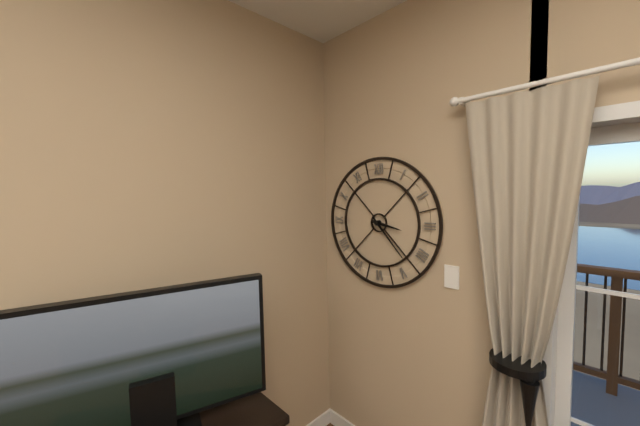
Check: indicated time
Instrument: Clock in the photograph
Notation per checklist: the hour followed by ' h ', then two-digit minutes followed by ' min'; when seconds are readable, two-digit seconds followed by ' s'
3 h 23 min
